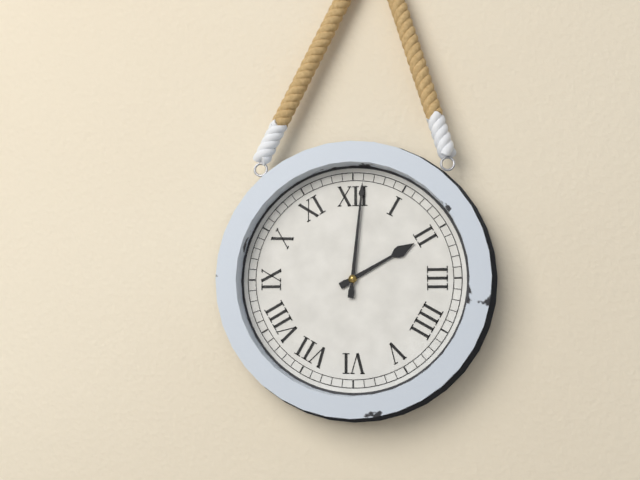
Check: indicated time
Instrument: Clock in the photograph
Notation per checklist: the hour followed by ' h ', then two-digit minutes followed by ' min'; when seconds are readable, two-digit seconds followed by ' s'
2 h 01 min
